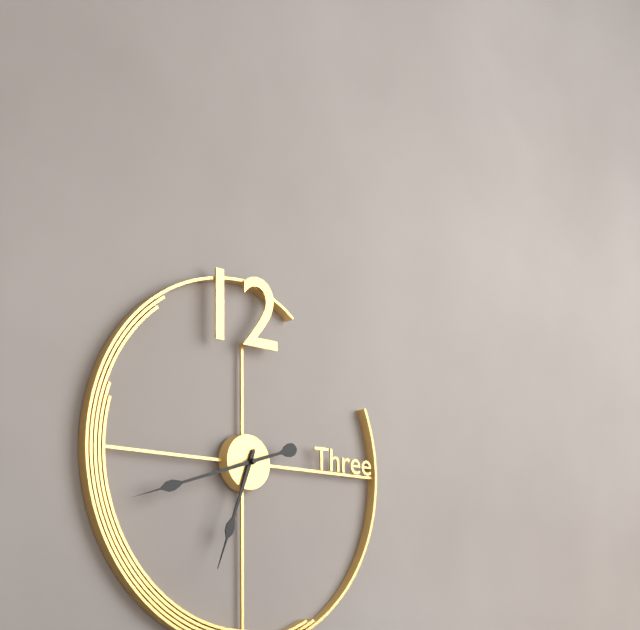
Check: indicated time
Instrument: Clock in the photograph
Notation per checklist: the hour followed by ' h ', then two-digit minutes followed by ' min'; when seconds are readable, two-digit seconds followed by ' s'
6 h 42 min
